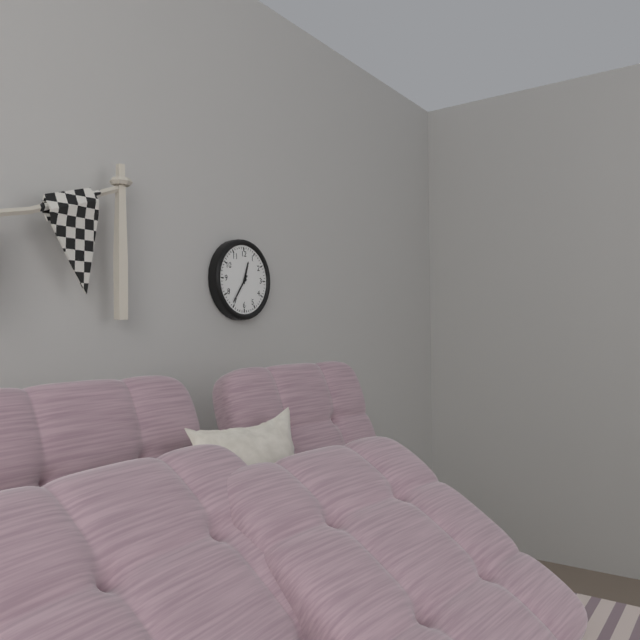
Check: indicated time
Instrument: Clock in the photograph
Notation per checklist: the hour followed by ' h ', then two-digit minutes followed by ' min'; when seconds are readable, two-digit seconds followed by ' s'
12 h 36 min
